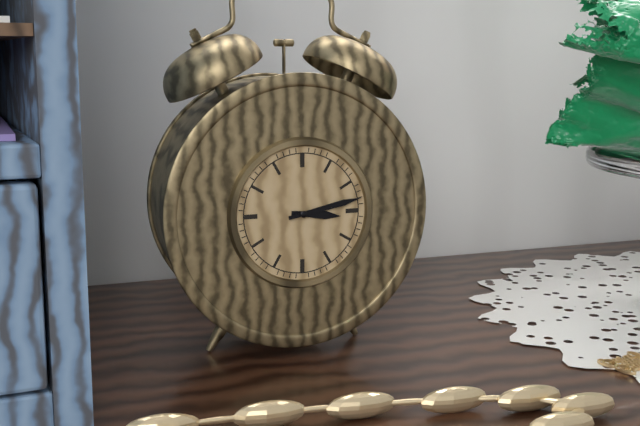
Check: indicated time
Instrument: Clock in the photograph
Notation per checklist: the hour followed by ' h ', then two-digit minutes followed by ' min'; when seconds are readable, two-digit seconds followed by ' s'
3 h 13 min
